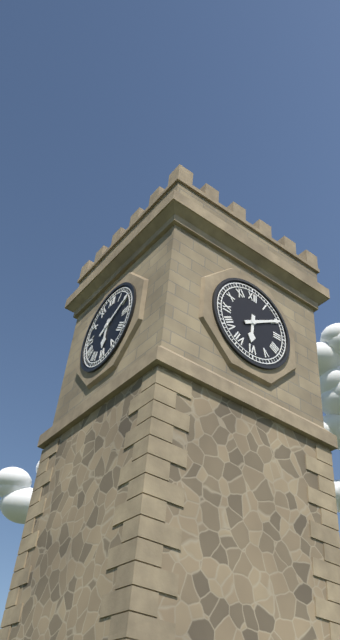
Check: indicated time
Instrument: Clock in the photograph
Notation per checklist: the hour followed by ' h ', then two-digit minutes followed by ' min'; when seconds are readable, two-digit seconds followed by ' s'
6 h 10 min
